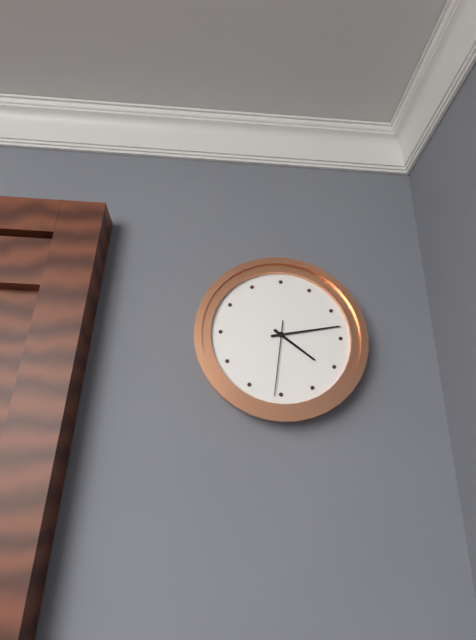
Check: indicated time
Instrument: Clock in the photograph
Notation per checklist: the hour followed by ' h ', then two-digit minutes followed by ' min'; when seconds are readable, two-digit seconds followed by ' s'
4 h 13 min 31 s
